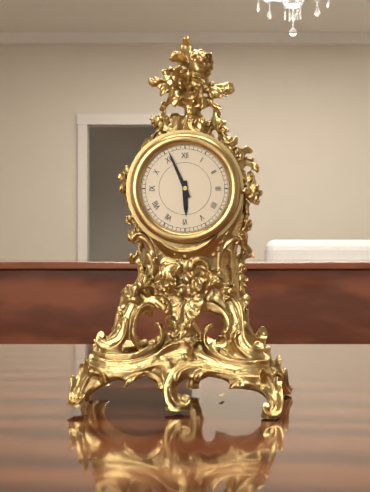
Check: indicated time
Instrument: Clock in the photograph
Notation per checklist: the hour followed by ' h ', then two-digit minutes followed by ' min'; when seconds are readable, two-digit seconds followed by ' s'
5 h 56 min
